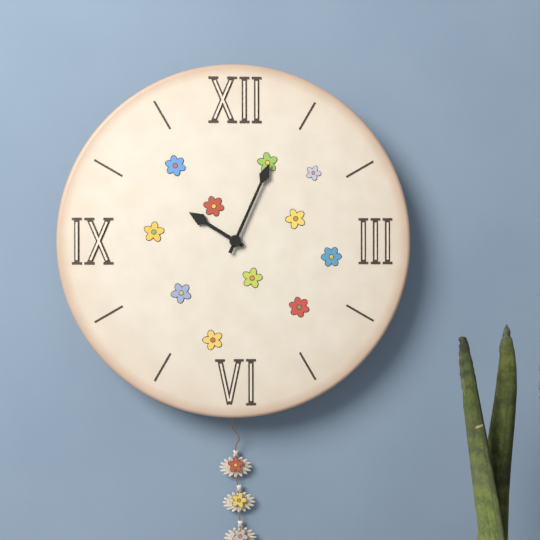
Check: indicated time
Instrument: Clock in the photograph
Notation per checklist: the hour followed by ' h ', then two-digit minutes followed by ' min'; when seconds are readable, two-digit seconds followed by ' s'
10 h 04 min
